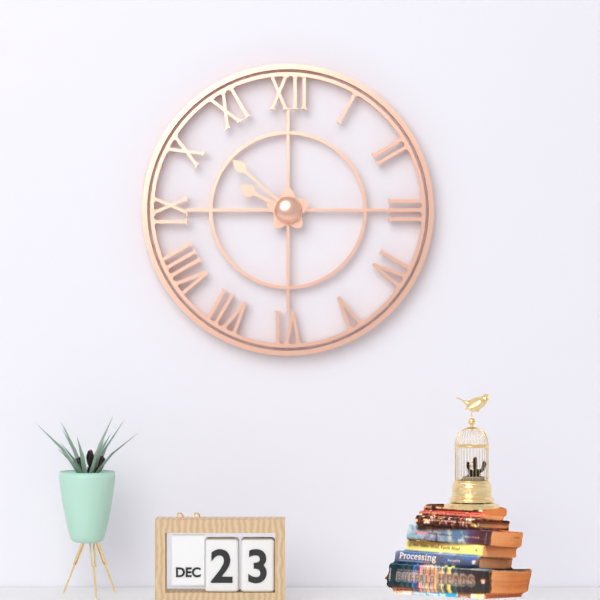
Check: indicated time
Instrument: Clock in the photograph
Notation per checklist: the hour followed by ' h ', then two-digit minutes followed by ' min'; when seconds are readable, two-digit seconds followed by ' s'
9 h 52 min
